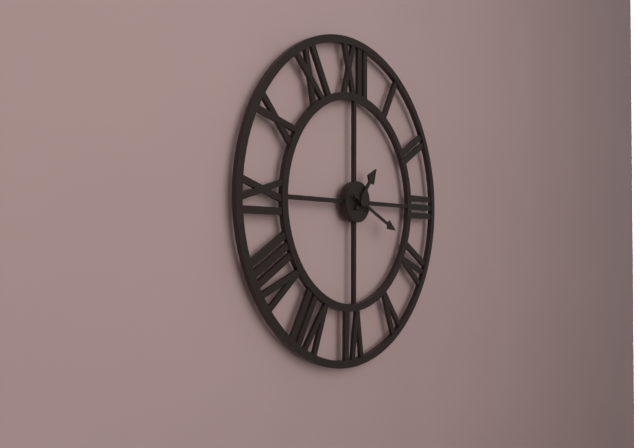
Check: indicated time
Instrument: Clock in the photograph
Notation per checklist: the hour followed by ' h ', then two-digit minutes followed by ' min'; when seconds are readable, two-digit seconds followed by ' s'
1 h 19 min
